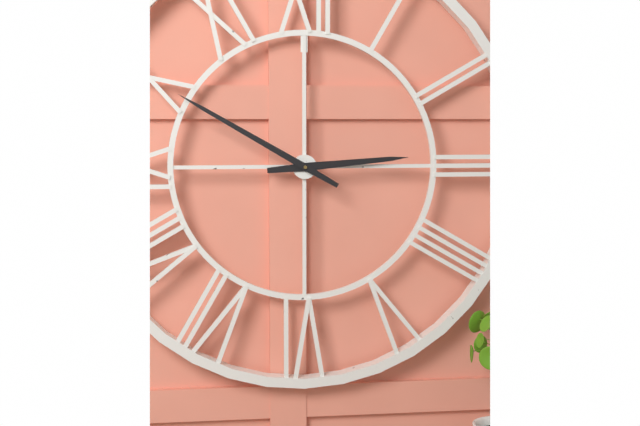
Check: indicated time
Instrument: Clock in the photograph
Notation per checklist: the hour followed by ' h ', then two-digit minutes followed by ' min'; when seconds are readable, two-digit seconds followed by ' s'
2 h 50 min
